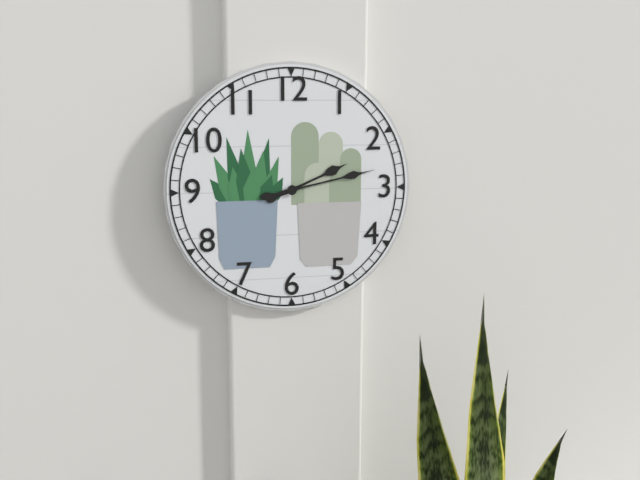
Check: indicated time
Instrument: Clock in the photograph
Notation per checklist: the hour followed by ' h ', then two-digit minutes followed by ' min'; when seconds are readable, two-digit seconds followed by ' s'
2 h 13 min
